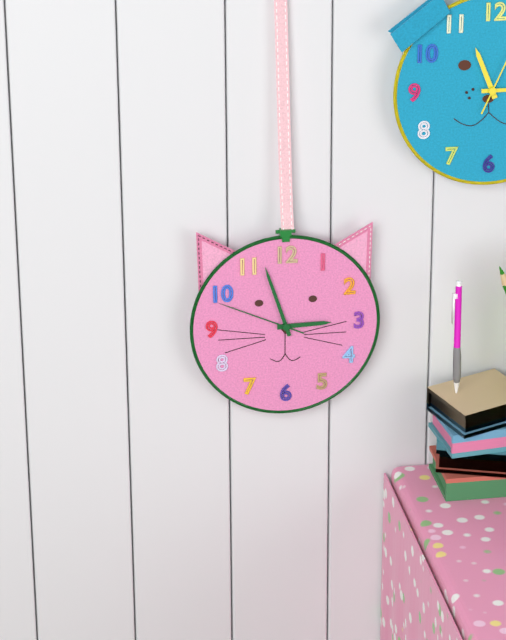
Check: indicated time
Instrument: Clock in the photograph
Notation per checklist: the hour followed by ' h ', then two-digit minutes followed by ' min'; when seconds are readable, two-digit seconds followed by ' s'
2 h 57 min 49 s
